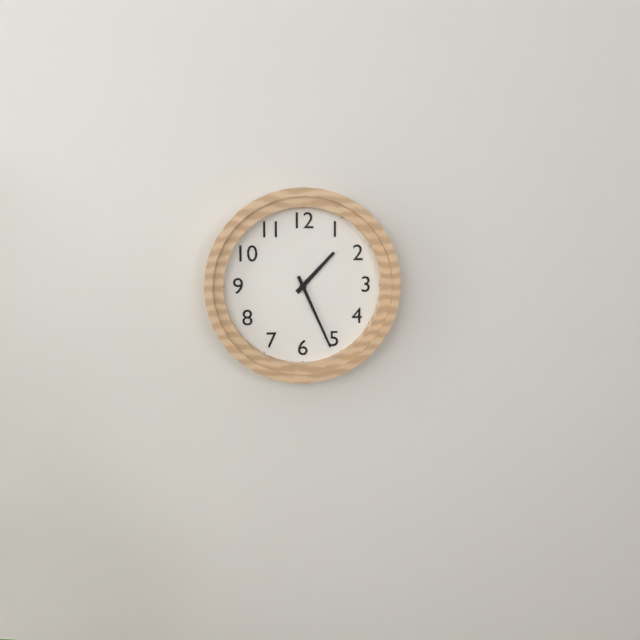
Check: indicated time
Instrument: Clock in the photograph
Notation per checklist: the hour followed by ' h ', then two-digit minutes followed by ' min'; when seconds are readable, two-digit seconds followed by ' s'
1 h 26 min
